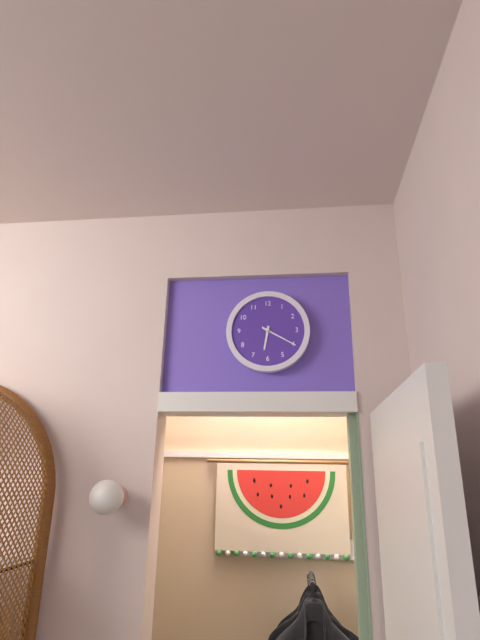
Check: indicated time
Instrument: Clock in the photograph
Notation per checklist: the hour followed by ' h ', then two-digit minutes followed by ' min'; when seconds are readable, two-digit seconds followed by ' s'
6 h 20 min
